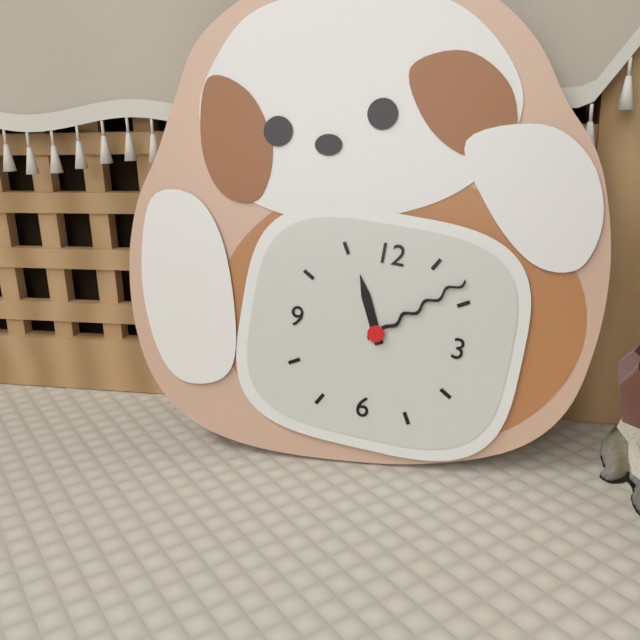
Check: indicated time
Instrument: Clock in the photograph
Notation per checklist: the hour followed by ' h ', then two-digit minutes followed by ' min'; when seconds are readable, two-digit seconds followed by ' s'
11 h 08 min
